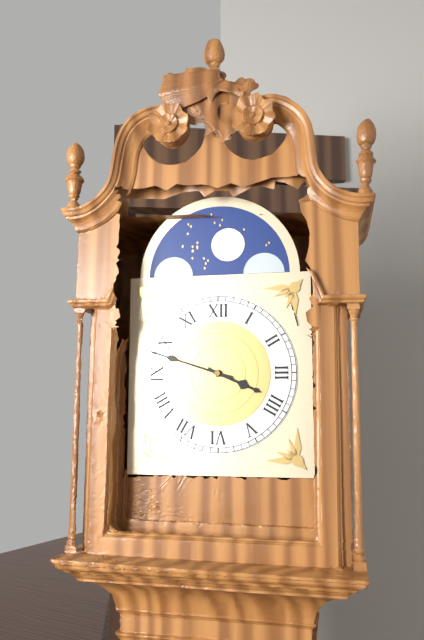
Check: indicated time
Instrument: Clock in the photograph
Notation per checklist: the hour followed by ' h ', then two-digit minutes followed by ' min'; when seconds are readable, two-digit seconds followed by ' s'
3 h 48 min
